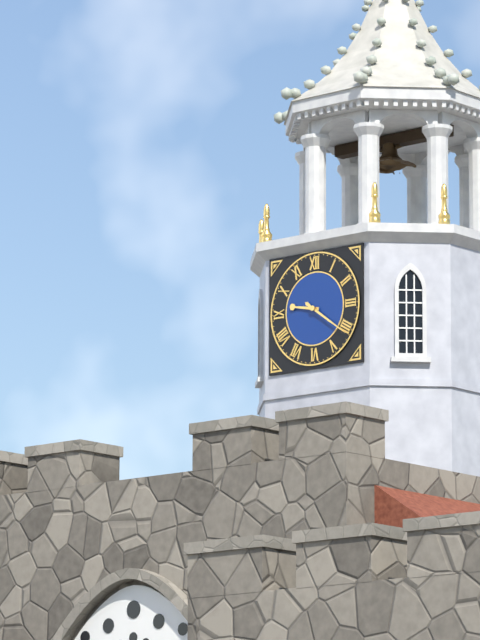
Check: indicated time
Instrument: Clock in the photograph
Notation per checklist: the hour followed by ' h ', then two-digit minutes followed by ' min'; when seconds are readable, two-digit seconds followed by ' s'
9 h 21 min
